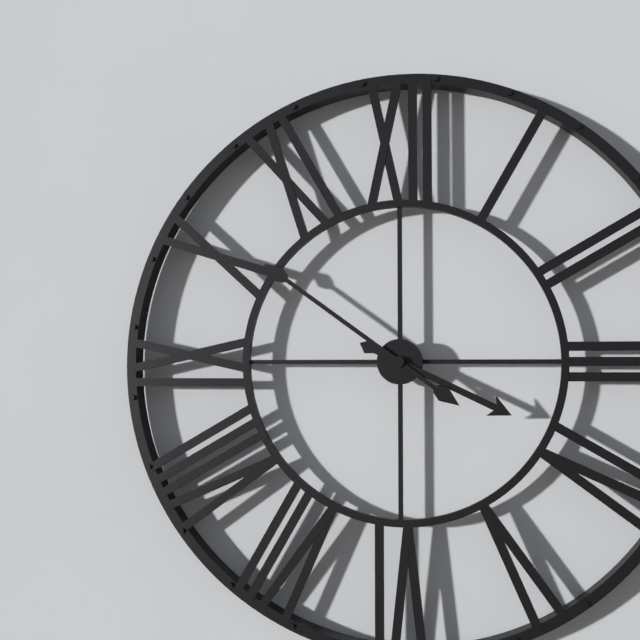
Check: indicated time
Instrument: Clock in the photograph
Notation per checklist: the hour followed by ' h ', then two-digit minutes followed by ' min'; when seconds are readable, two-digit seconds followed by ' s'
3 h 51 min
